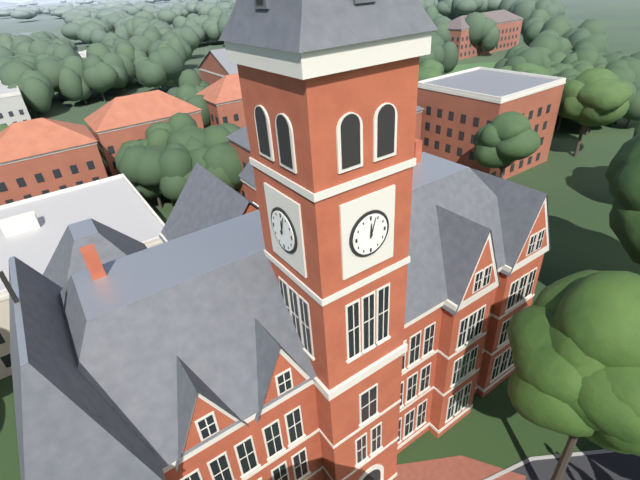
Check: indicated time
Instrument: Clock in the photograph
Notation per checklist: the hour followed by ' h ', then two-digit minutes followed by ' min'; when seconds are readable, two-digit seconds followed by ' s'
12 h 03 min
